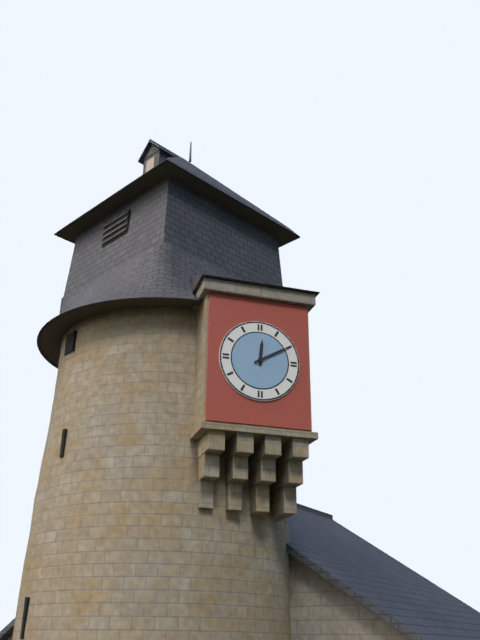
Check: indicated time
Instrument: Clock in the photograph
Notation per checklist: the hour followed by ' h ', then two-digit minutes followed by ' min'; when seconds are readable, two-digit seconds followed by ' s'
12 h 10 min
